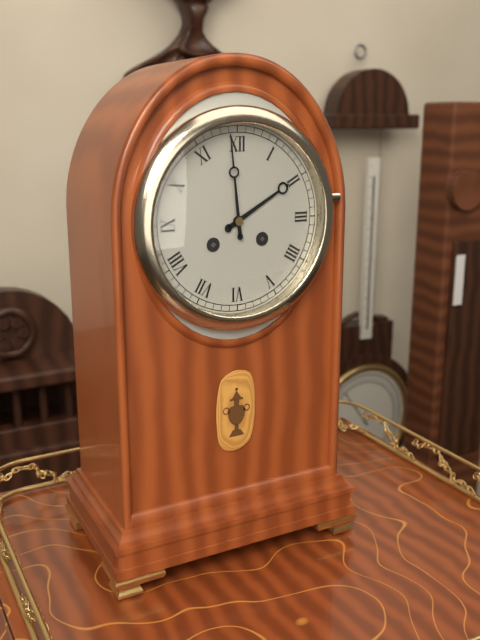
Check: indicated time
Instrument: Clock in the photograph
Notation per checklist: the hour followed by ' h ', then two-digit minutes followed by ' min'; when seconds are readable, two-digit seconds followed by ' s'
1 h 59 min
